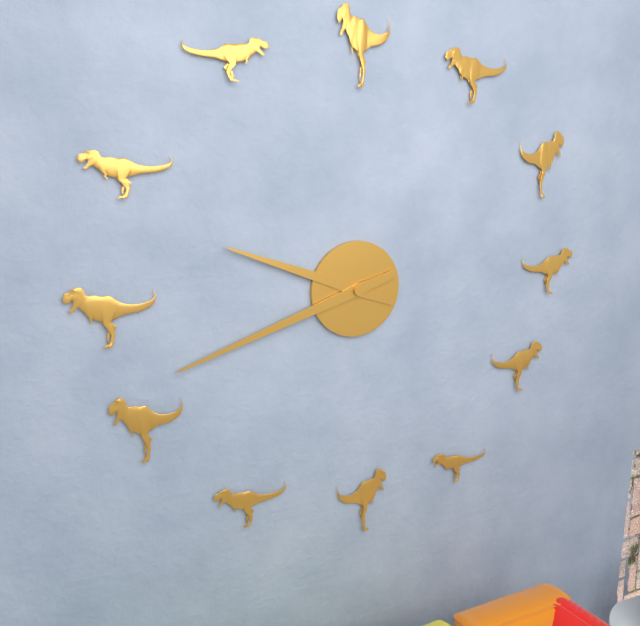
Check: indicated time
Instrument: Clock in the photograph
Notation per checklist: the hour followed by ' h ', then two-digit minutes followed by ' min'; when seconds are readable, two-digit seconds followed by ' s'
9 h 42 min
